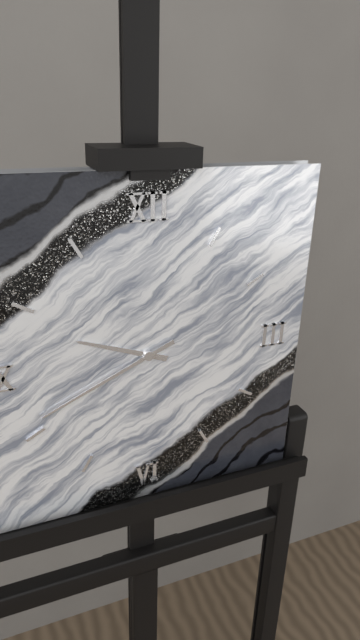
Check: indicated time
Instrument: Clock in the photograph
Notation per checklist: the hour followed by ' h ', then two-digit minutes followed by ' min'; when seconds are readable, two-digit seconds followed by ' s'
9 h 41 min
